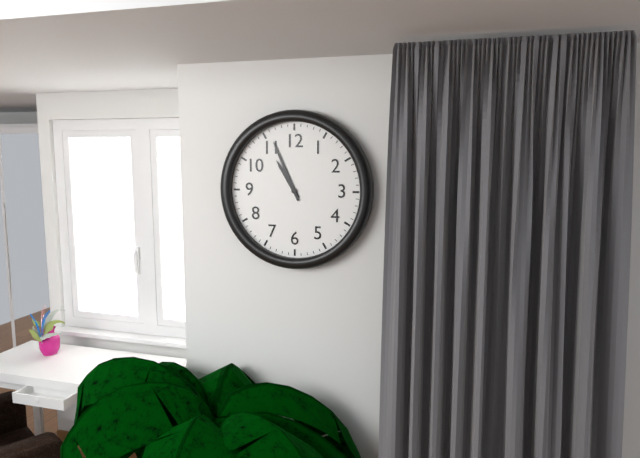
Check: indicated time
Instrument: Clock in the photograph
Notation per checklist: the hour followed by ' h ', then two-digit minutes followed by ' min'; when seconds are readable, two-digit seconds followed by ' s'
10 h 56 min
